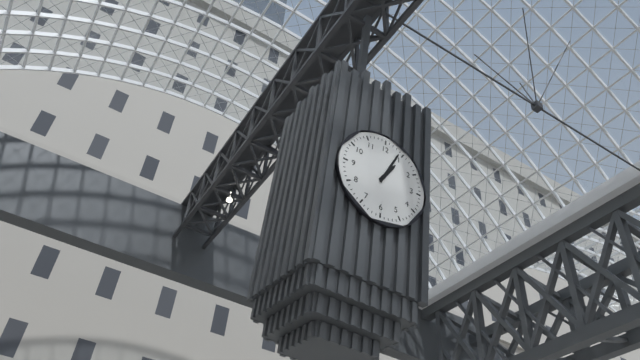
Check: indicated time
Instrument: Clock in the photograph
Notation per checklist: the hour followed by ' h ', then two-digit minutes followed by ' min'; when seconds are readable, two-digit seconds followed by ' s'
1 h 04 min
